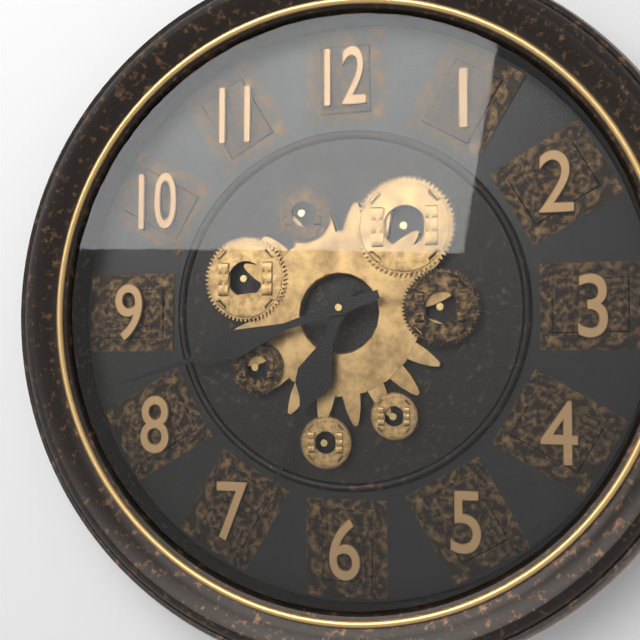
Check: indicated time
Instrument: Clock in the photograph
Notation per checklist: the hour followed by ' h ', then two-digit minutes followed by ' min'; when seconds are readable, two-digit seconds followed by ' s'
6 h 42 min
